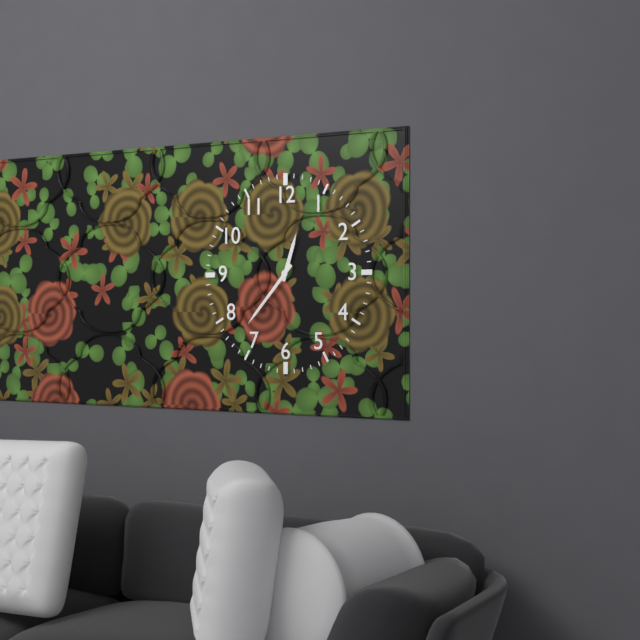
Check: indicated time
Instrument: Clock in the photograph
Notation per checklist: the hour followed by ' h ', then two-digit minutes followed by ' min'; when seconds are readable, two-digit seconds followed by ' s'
12 h 37 min
